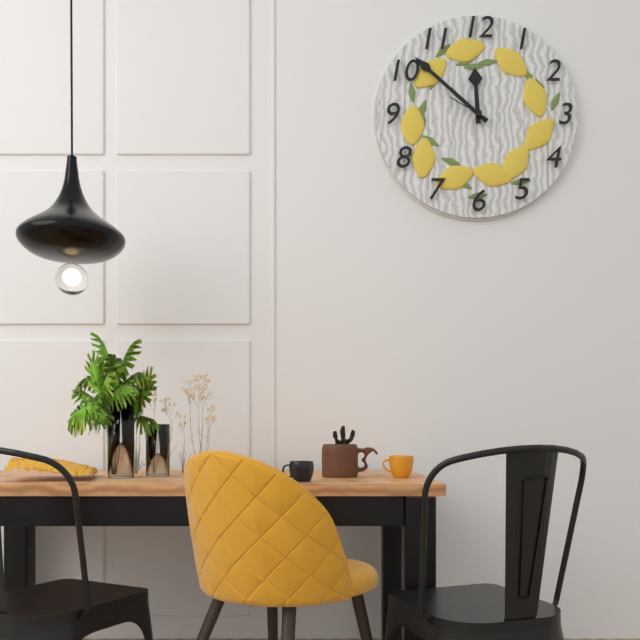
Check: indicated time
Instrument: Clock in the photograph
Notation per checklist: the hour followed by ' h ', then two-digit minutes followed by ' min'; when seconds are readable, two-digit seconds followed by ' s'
11 h 52 min
